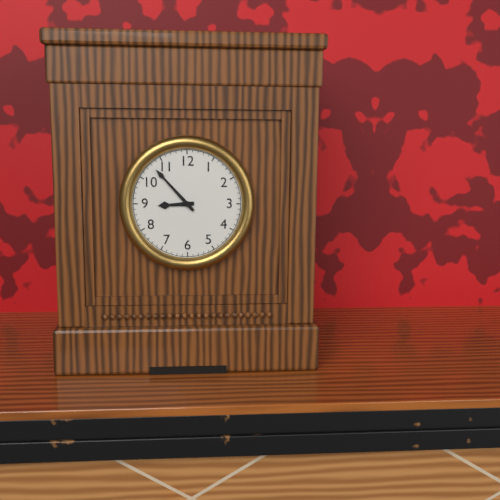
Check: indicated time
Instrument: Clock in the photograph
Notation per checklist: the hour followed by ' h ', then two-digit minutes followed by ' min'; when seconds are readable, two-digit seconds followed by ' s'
8 h 53 min
